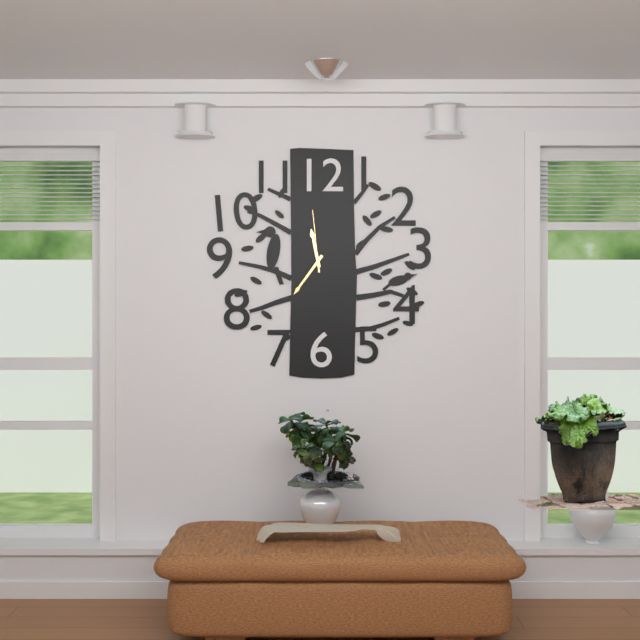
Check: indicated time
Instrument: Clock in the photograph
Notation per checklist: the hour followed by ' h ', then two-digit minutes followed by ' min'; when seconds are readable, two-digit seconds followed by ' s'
11 h 36 min 59 s
